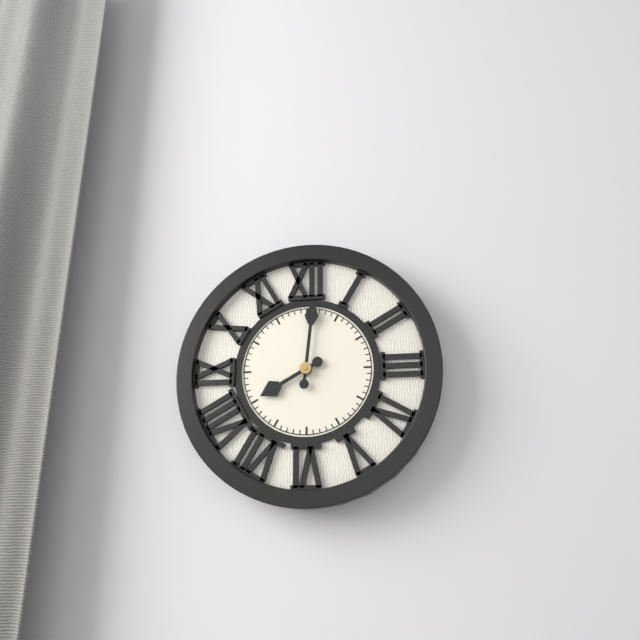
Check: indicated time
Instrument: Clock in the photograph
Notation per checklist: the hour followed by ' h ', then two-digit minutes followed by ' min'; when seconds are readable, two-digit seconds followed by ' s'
8 h 01 min
